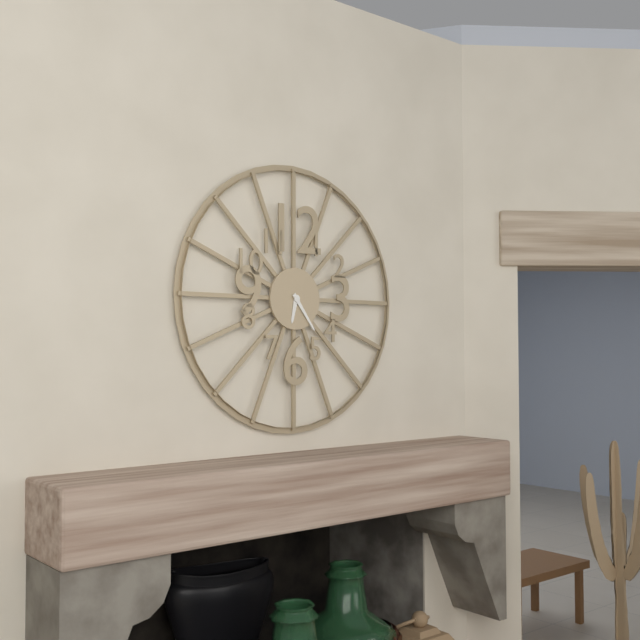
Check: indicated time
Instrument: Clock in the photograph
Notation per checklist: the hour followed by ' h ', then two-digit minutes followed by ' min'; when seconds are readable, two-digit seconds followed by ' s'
6 h 24 min
